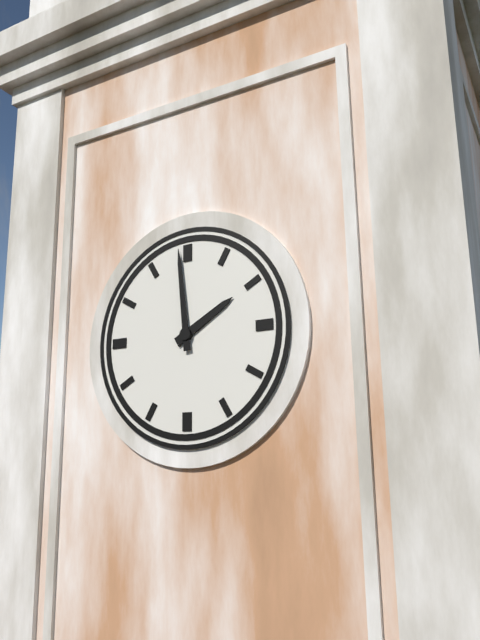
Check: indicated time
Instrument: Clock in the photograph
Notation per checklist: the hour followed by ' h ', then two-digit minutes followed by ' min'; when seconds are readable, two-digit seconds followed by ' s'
1 h 59 min
